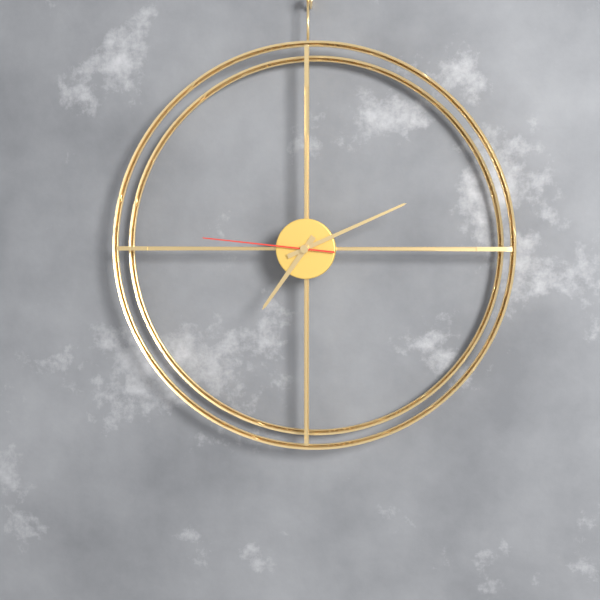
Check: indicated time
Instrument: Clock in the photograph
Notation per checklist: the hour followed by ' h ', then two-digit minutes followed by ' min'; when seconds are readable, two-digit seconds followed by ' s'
7 h 11 min 46 s
